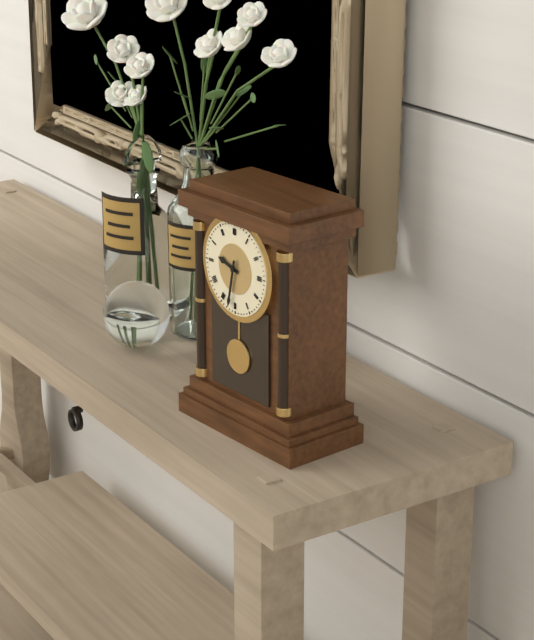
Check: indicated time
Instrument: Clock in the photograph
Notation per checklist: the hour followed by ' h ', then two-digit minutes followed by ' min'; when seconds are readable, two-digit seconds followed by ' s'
9 h 32 min
